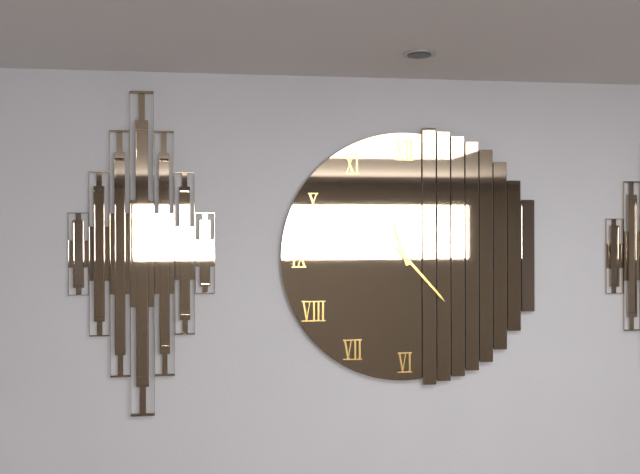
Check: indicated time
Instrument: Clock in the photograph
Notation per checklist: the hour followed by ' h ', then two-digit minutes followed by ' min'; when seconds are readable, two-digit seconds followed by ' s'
11 h 23 min
